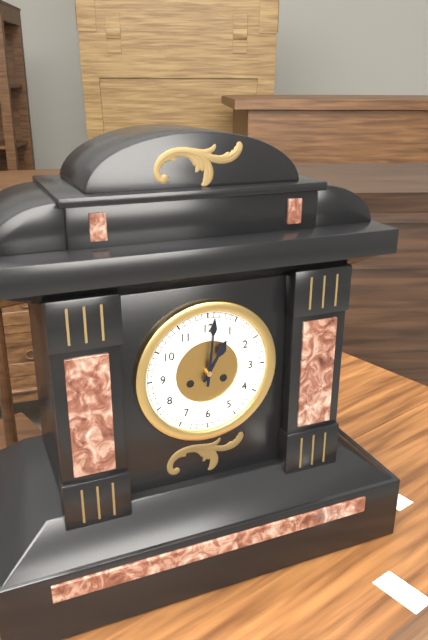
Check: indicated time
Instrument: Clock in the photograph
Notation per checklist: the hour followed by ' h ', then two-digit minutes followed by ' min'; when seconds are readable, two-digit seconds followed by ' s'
1 h 01 min
